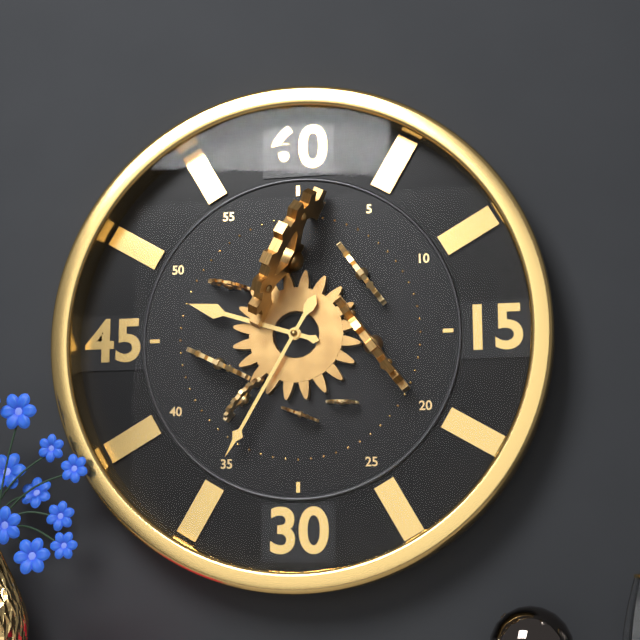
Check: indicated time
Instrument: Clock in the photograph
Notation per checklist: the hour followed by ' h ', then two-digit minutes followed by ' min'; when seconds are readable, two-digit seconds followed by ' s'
9 h 35 min
